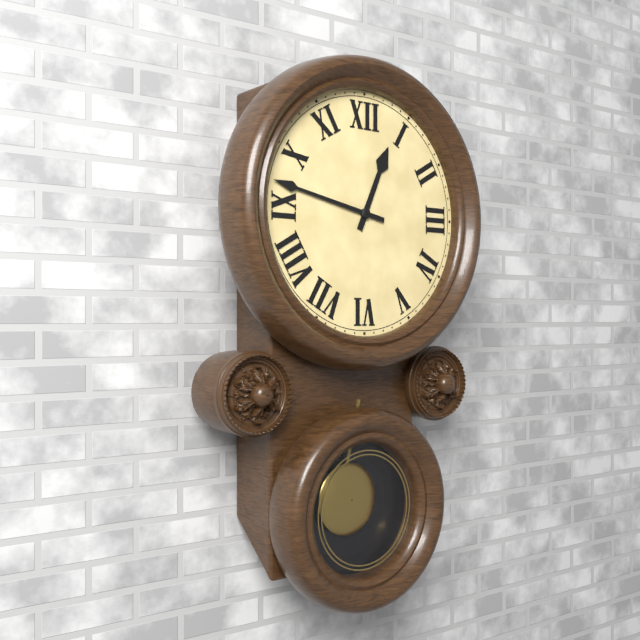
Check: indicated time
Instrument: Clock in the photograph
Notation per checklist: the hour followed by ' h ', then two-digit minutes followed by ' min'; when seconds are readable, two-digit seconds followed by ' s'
12 h 47 min
